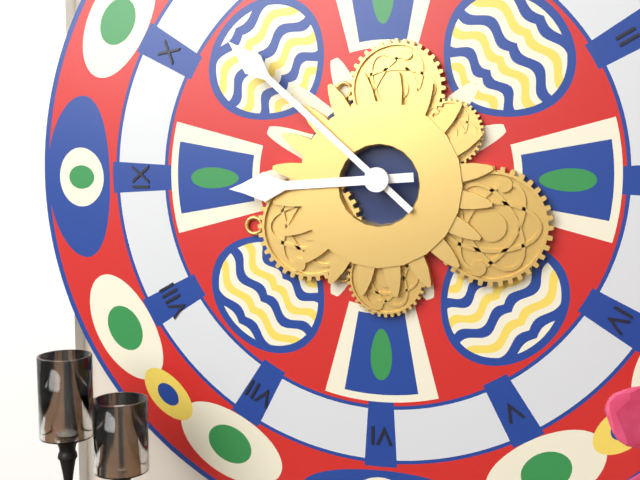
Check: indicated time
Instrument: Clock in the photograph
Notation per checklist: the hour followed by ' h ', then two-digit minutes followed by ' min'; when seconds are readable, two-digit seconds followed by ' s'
8 h 52 min
